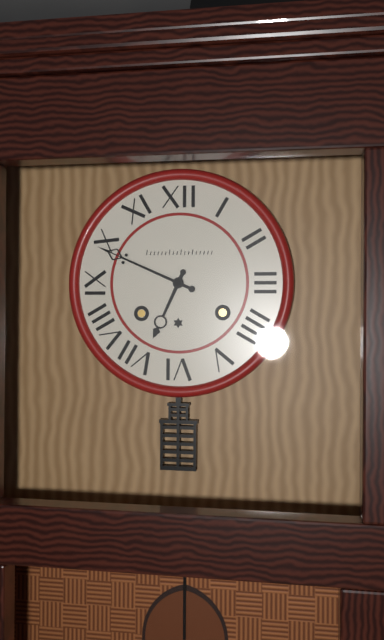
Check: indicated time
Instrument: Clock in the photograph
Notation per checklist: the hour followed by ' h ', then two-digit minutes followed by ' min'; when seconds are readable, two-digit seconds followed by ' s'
6 h 49 min
